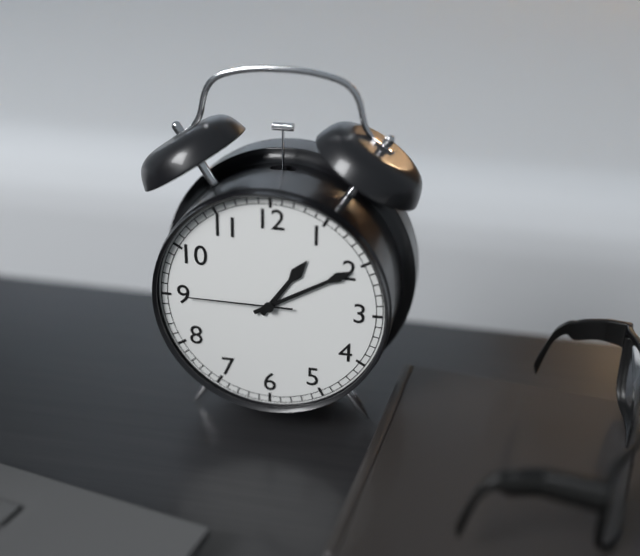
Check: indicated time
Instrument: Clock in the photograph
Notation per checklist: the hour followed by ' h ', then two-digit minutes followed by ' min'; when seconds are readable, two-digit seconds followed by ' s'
1 h 10 min 45 s
